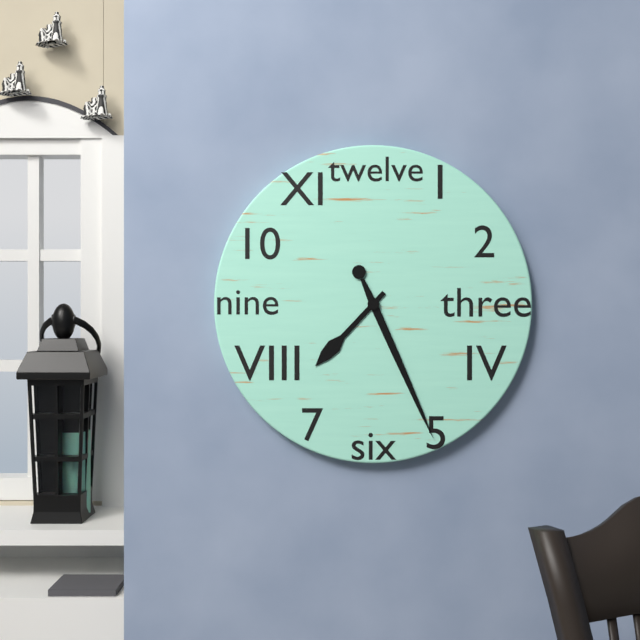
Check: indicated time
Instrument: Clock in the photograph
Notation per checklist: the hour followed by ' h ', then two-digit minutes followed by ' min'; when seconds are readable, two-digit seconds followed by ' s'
7 h 26 min
